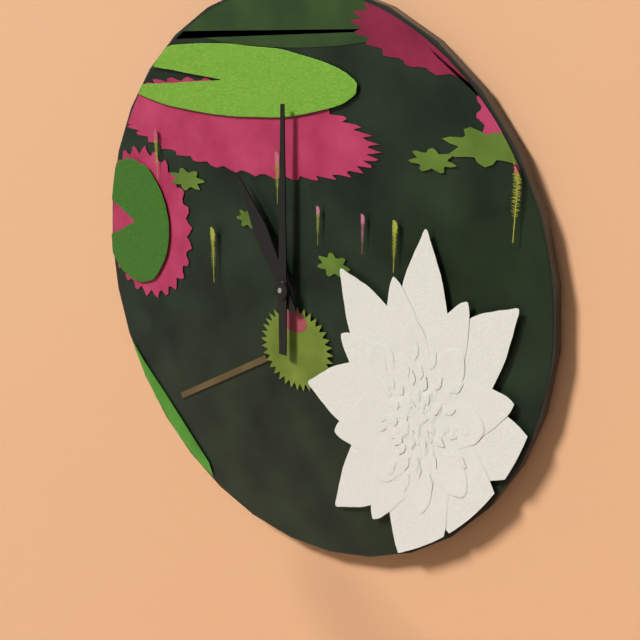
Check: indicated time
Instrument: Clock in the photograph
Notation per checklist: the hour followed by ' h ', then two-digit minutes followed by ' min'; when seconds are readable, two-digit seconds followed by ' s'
11 h 00 min
